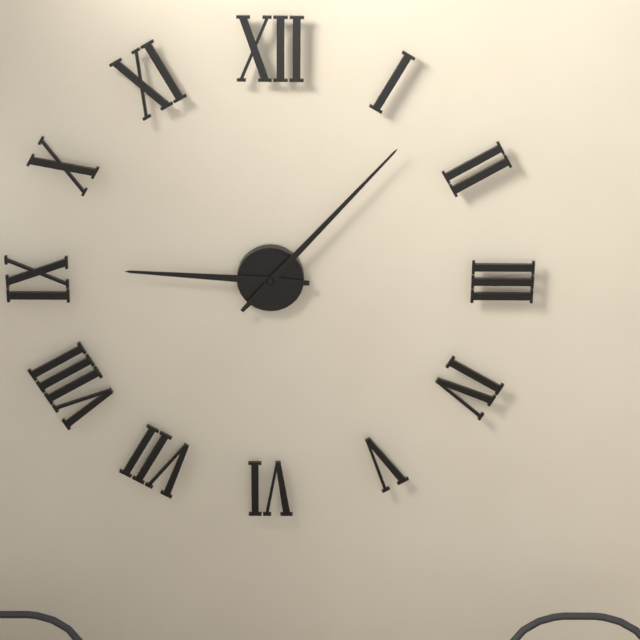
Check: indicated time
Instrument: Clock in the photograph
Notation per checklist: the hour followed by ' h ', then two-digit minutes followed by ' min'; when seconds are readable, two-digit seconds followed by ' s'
9 h 07 min
